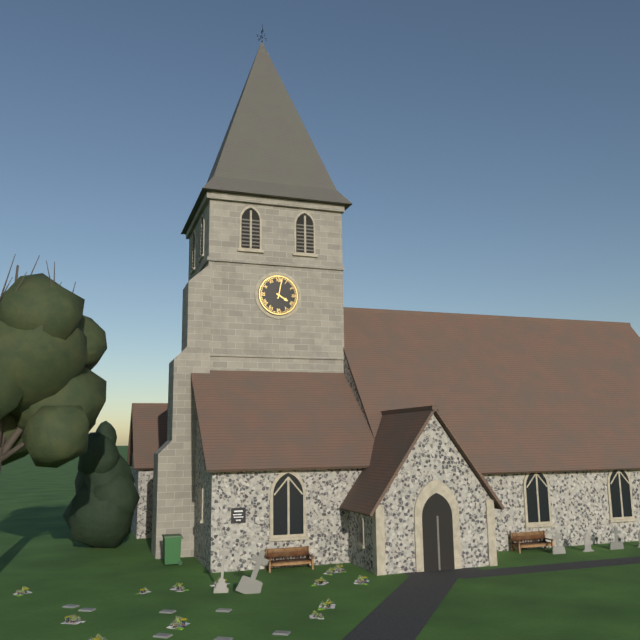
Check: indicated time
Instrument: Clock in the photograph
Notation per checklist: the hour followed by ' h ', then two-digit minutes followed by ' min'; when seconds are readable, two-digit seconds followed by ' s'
4 h 02 min
